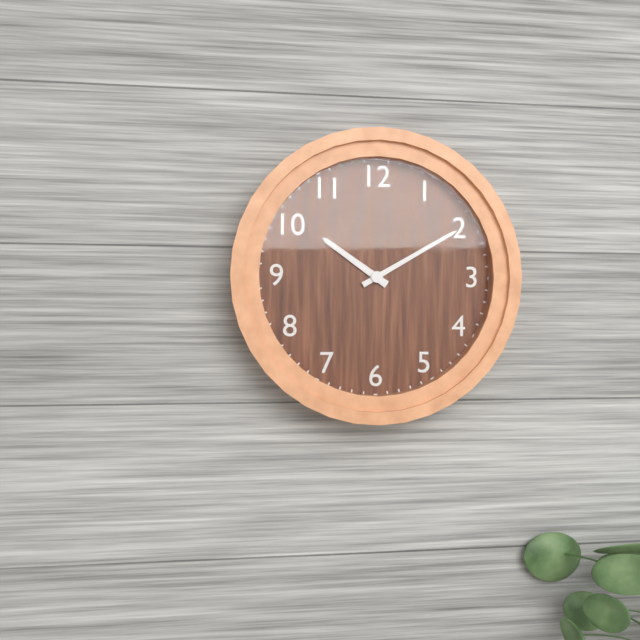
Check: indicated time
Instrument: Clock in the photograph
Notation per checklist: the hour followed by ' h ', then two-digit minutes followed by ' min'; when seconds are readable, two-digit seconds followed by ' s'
10 h 10 min
